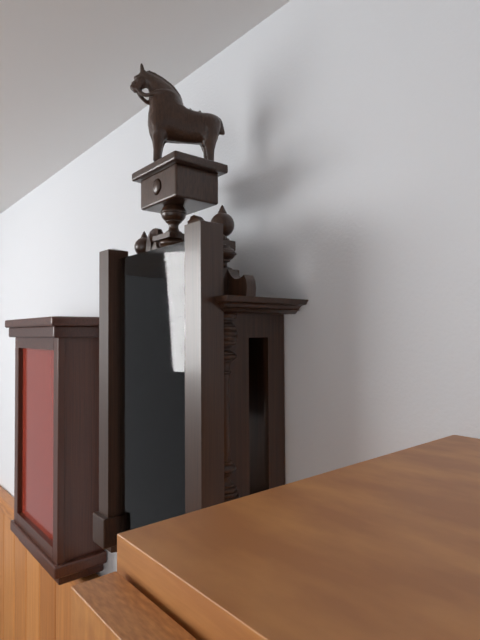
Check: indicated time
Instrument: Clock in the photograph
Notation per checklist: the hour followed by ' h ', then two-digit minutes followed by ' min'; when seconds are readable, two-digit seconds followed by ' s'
10 h 21 min
